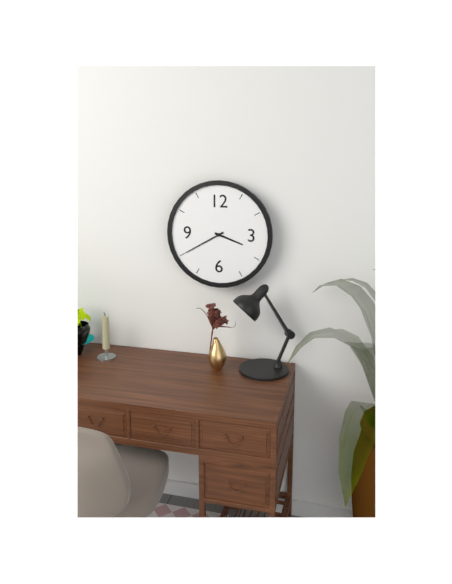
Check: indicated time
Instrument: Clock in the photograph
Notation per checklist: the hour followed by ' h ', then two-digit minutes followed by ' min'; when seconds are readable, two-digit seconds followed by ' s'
3 h 40 min
